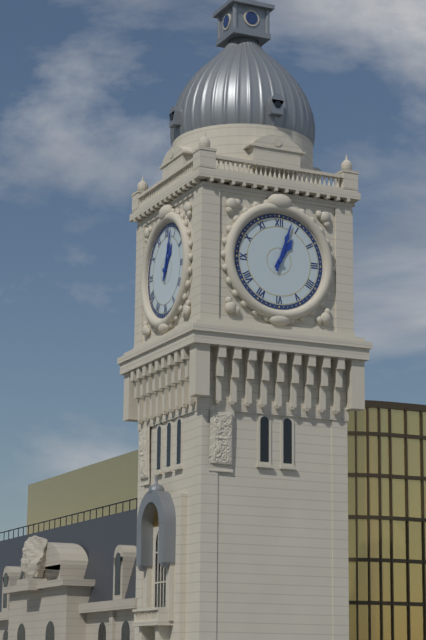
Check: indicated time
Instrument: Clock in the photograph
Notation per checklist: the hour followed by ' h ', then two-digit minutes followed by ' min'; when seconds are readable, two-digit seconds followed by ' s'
1 h 03 min
